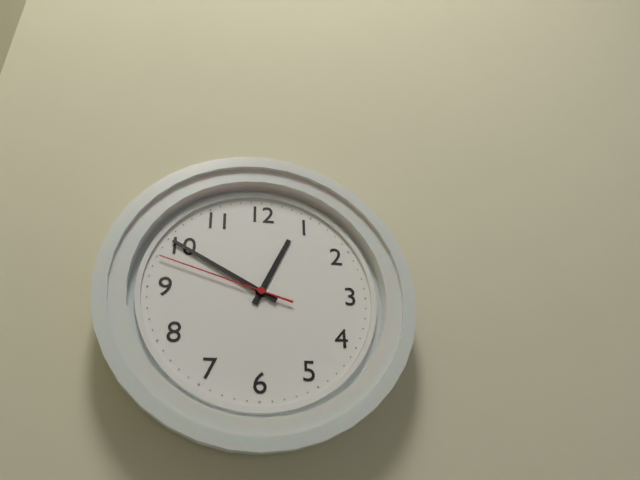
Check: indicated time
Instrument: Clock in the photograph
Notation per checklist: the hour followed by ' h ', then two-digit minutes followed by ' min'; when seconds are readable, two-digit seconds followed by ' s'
12 h 50 min 48 s
